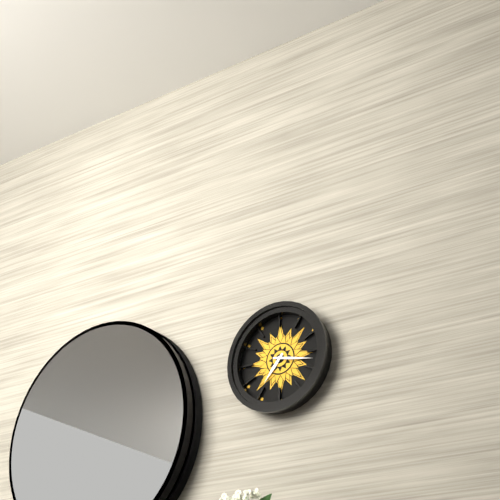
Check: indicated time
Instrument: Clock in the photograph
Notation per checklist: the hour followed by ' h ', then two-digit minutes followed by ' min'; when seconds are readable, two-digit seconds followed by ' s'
7 h 17 min
